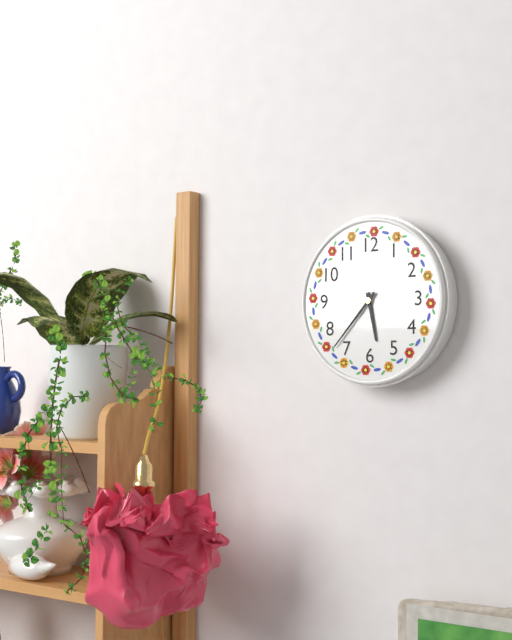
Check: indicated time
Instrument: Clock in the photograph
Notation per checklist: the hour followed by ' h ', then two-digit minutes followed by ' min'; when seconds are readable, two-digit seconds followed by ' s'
5 h 37 min
